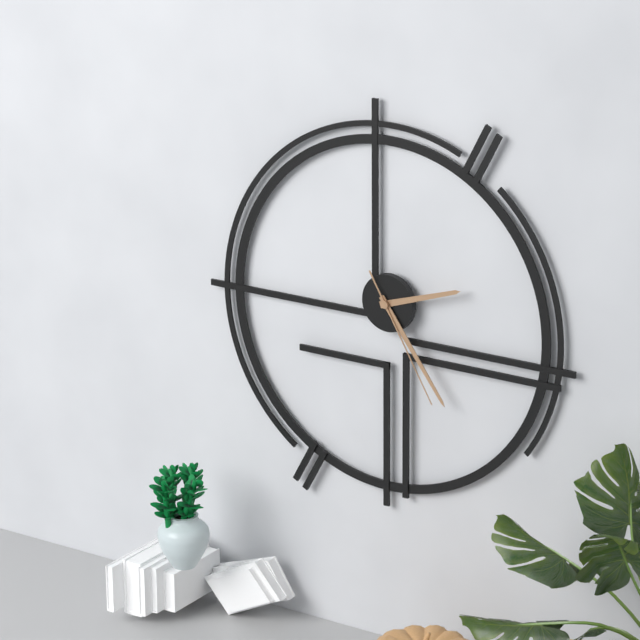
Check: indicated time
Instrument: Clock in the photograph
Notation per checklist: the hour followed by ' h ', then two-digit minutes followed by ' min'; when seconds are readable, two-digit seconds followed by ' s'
2 h 24 min 25 s
